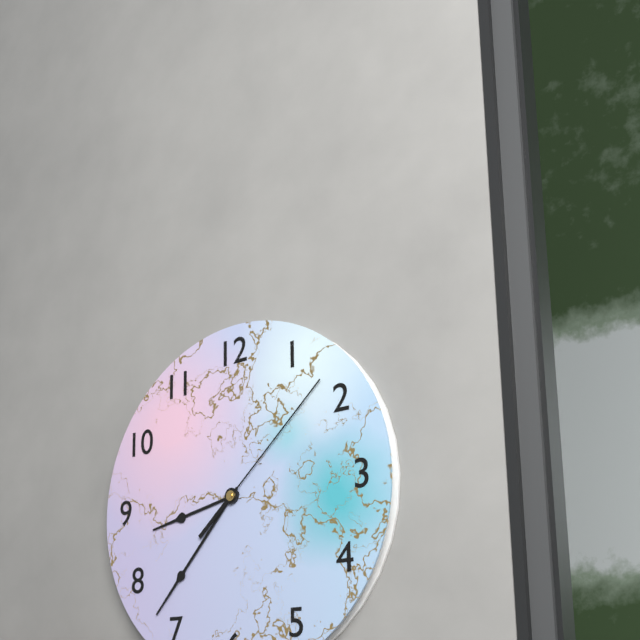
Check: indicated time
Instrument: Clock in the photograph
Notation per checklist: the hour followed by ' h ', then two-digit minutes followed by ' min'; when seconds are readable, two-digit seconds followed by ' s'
8 h 37 min 08 s
